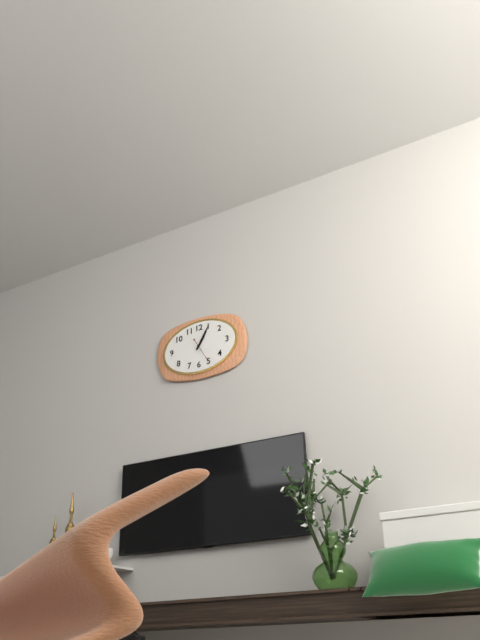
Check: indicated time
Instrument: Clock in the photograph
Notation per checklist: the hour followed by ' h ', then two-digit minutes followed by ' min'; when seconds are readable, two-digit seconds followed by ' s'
1 h 05 min
